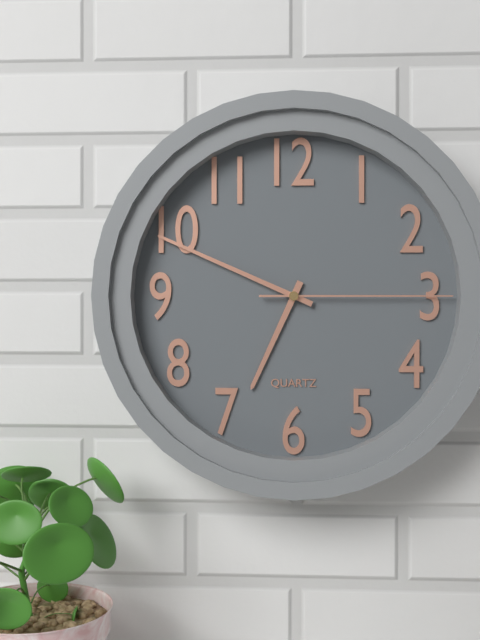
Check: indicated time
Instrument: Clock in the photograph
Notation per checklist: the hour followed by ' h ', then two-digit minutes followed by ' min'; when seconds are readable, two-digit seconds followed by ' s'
6 h 49 min 15 s
